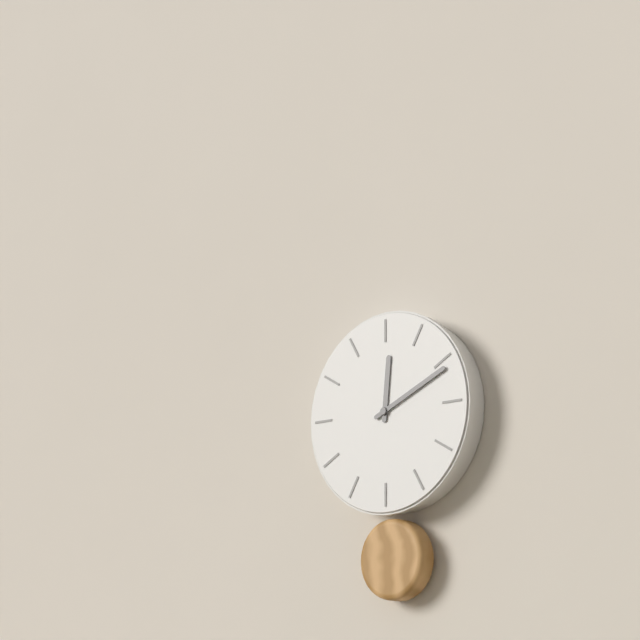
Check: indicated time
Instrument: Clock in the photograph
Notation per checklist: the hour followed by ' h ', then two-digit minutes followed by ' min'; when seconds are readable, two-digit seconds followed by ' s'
12 h 11 min
